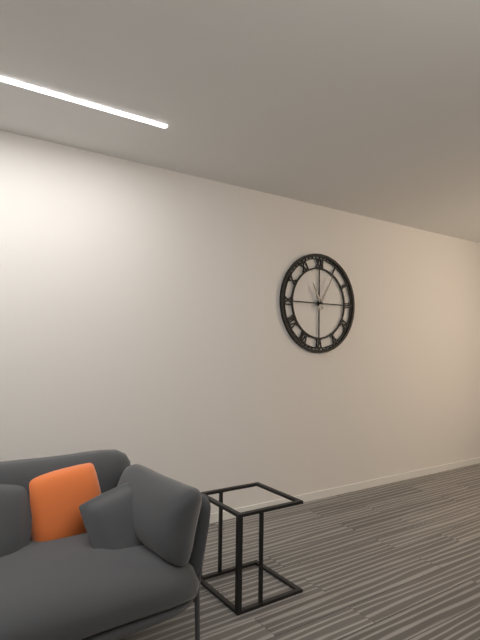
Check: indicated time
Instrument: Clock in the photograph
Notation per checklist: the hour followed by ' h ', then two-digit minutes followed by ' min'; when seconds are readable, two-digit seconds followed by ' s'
11 h 05 min
